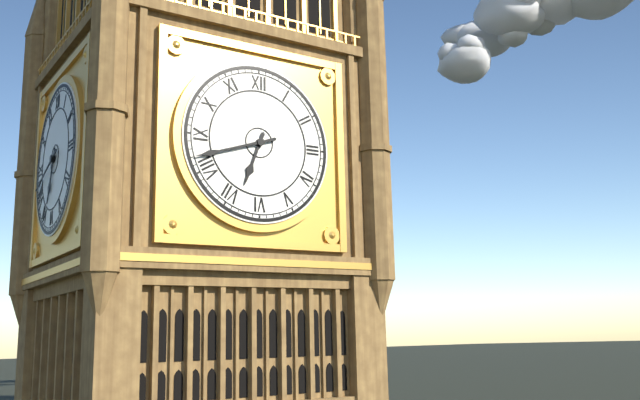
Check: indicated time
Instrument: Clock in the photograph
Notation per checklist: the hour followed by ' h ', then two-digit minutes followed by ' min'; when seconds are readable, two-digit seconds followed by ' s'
6 h 42 min
